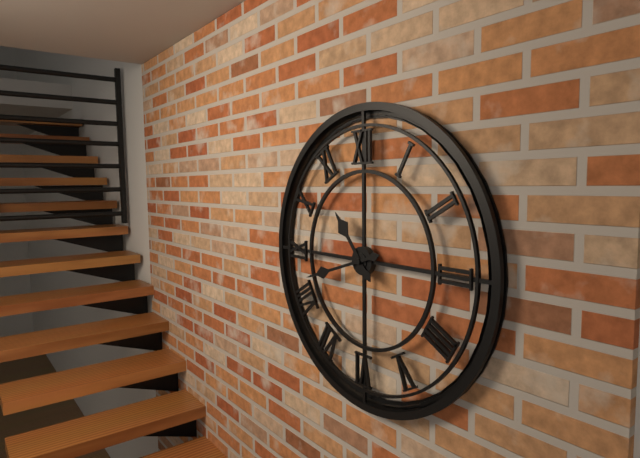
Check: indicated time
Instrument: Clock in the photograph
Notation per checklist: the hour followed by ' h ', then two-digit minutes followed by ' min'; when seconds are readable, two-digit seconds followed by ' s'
10 h 42 min
